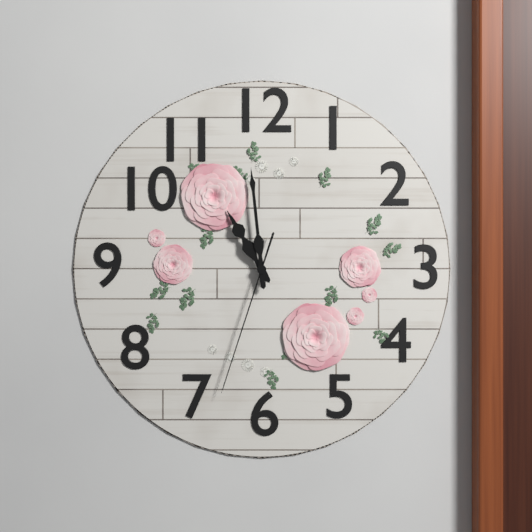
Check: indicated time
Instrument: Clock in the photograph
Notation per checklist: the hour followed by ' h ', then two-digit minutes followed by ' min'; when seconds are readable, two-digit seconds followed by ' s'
10 h 59 min 33 s
